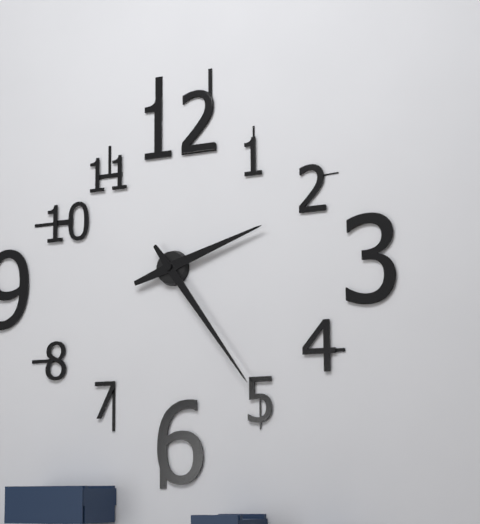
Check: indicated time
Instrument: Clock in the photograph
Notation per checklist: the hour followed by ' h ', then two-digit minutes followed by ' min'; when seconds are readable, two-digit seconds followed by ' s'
2 h 24 min
